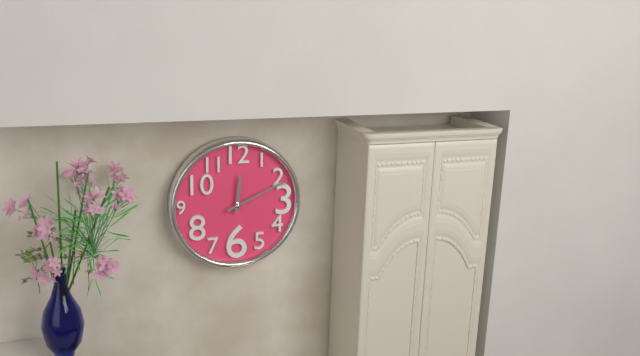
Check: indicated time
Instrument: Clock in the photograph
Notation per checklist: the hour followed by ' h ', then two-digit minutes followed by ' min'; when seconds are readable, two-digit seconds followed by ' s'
12 h 11 min
